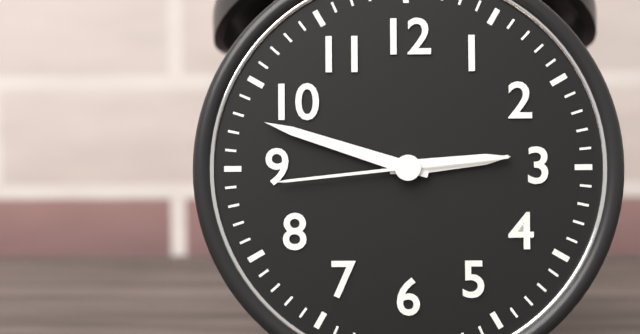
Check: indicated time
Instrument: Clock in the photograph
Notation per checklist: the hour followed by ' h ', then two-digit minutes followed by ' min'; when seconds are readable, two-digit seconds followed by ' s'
2 h 48 min 44 s
